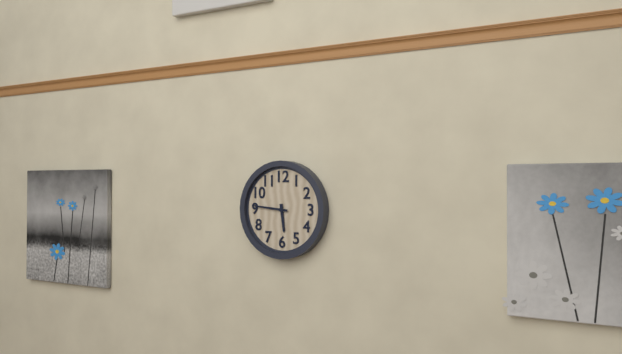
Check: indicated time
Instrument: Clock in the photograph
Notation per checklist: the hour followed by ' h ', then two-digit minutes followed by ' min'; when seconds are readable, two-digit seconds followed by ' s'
5 h 46 min
